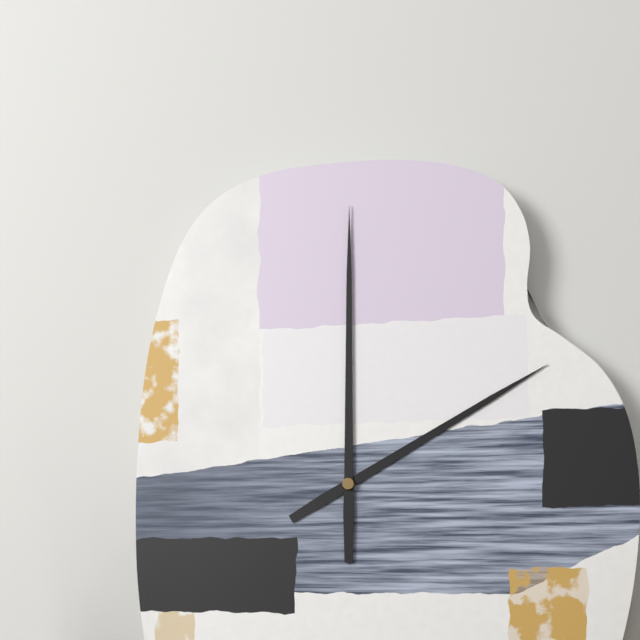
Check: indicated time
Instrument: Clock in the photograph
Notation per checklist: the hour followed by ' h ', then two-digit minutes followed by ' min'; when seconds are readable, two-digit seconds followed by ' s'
2 h 00 min
